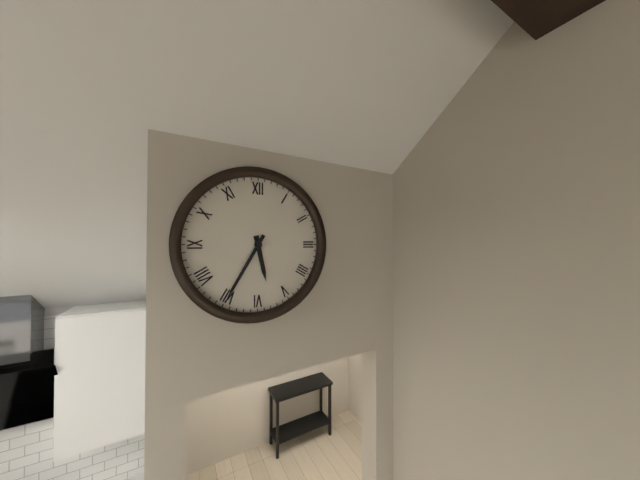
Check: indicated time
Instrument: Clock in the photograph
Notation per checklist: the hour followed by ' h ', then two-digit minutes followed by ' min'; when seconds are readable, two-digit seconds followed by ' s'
5 h 35 min
